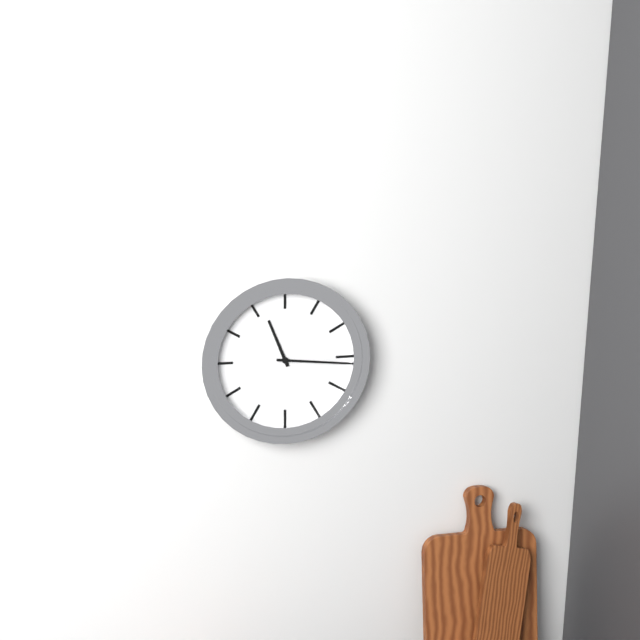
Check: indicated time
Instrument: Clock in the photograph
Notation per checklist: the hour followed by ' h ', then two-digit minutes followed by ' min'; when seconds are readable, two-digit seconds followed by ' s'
11 h 16 min
